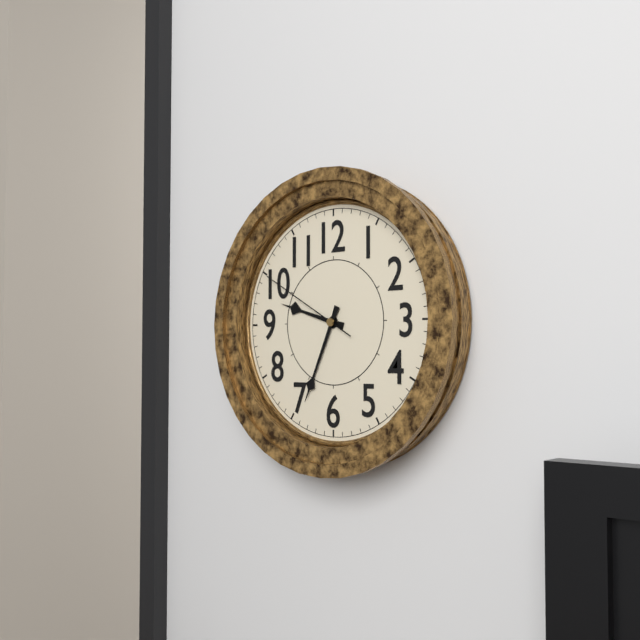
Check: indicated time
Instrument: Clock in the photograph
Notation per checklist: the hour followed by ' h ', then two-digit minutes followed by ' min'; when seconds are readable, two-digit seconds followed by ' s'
9 h 34 min 50 s
